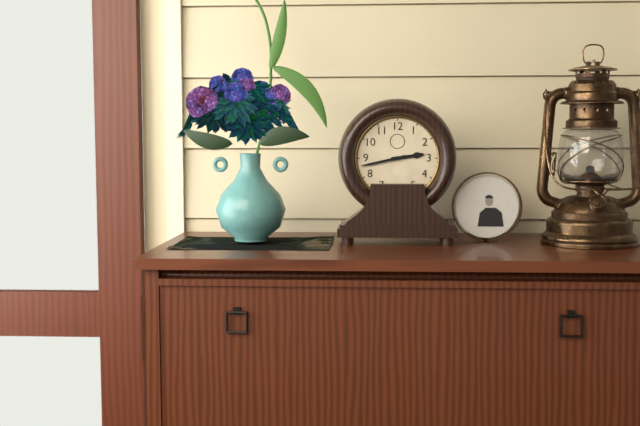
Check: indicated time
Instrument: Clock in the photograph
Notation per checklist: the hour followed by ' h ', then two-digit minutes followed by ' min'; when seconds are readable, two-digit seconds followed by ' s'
2 h 43 min
